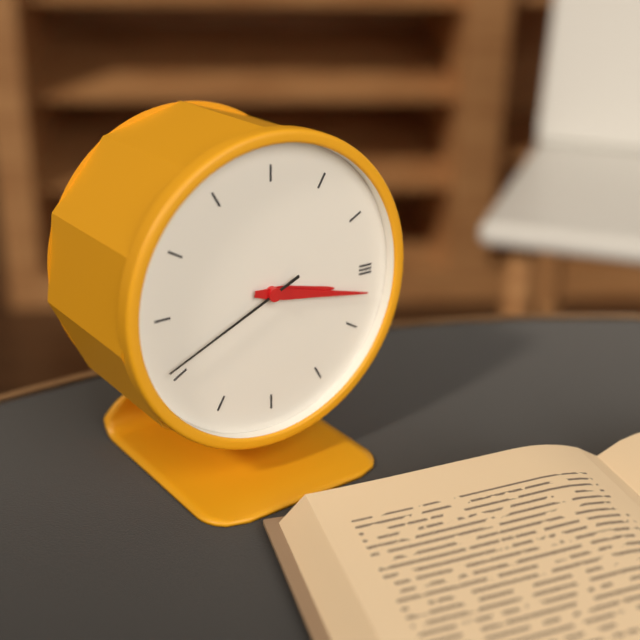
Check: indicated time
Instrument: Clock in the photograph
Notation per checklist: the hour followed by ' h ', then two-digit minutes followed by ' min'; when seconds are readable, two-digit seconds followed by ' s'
3 h 17 min 41 s
